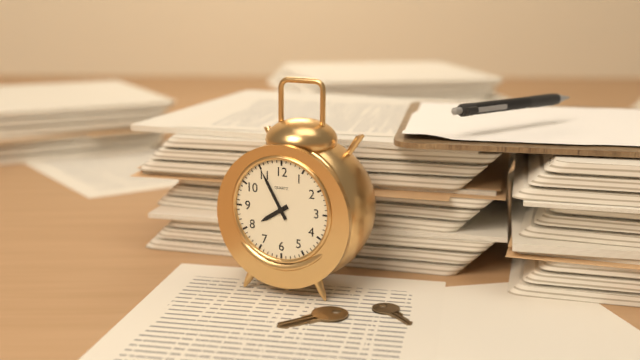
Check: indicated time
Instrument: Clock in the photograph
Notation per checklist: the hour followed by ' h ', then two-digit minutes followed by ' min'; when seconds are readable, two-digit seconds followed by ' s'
7 h 55 min
